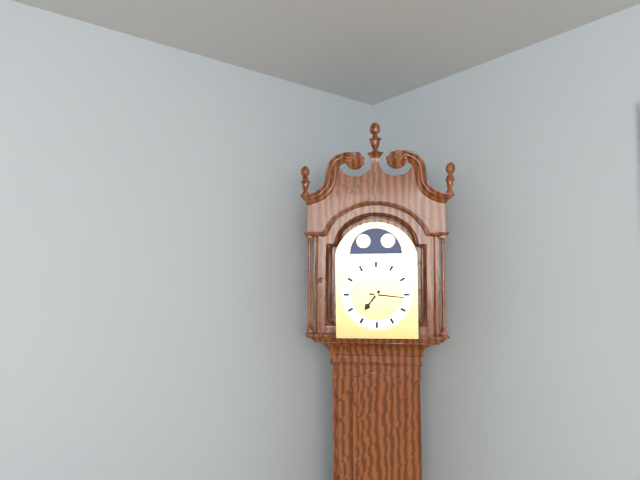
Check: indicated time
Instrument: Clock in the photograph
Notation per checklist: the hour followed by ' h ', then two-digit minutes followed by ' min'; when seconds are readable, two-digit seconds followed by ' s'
7 h 16 min
